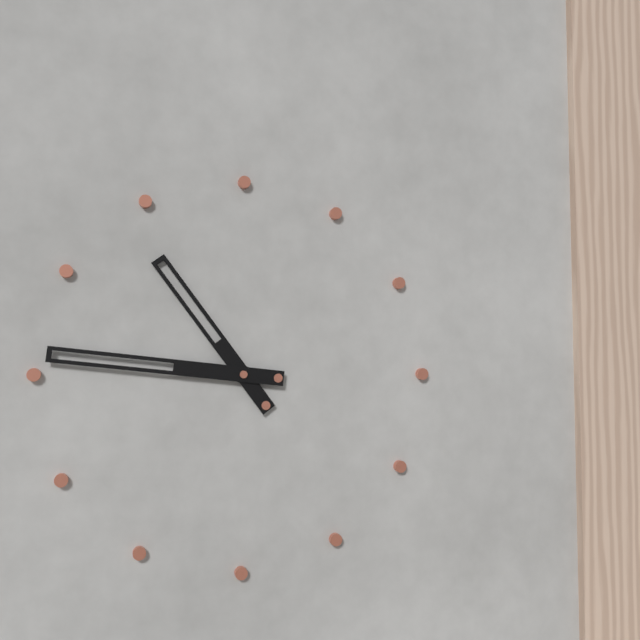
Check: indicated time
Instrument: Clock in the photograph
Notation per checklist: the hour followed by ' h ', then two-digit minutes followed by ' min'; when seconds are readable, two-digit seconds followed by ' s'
10 h 46 min
